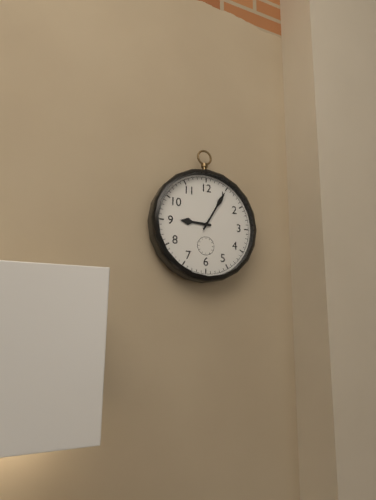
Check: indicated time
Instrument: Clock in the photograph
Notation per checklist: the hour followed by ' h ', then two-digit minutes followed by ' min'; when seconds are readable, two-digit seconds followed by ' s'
9 h 05 min
